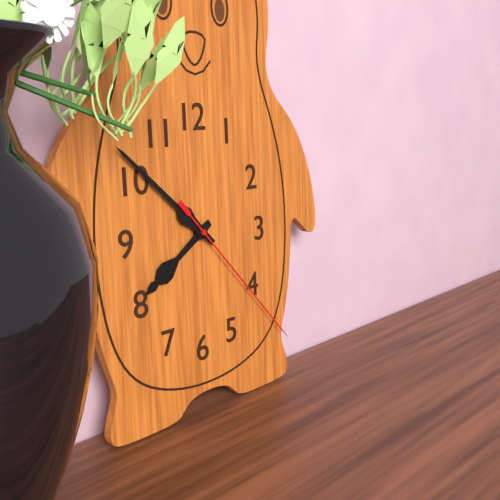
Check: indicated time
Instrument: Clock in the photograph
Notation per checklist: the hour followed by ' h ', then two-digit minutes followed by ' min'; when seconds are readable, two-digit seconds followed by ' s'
7 h 52 min 23 s
